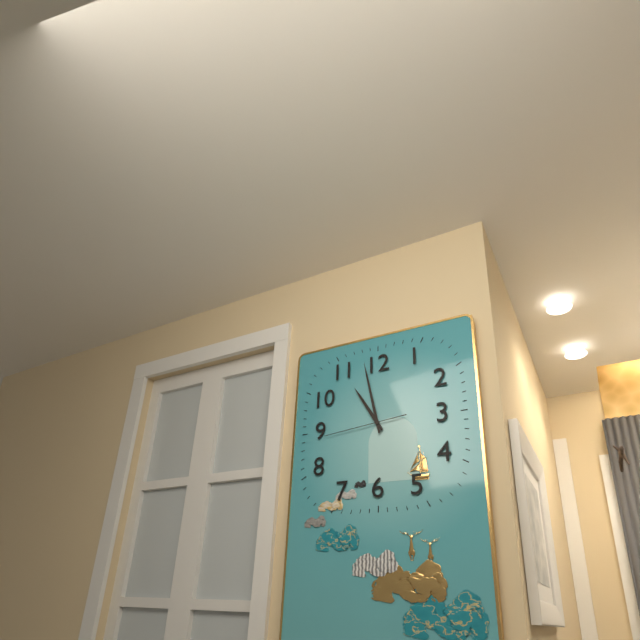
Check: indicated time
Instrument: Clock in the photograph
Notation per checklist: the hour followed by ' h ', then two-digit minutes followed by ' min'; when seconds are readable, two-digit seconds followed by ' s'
10 h 58 min 44 s
